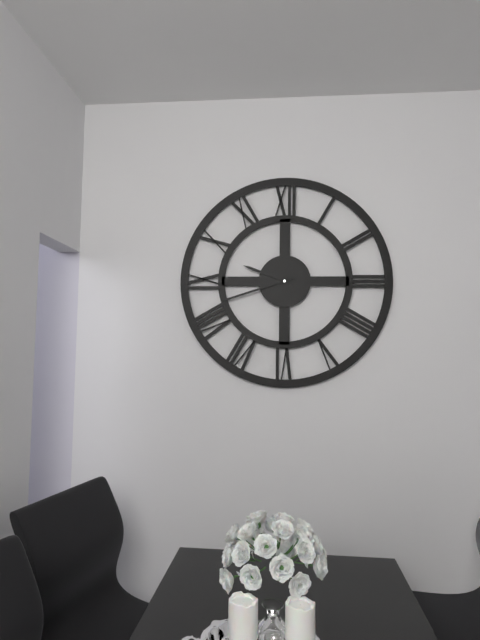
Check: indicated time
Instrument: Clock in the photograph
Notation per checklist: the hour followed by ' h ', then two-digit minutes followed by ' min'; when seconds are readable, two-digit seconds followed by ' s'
9 h 42 min
